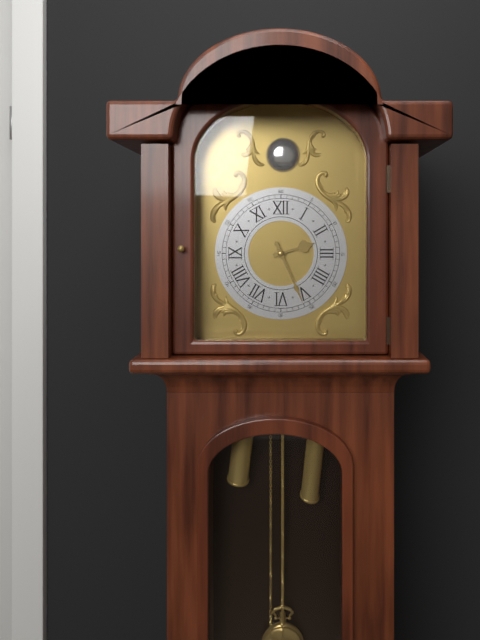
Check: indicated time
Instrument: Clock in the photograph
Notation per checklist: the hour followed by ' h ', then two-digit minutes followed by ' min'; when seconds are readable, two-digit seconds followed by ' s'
2 h 26 min
